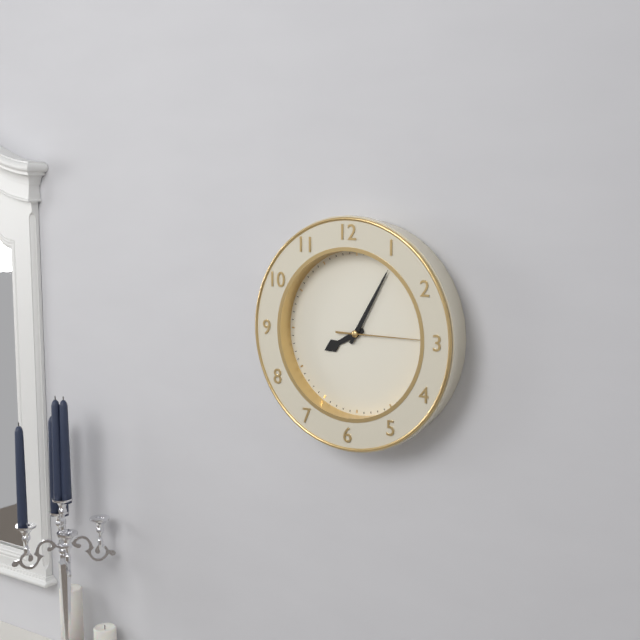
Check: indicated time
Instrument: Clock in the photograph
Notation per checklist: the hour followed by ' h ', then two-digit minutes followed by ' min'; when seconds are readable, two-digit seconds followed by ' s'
8 h 05 min 15 s
